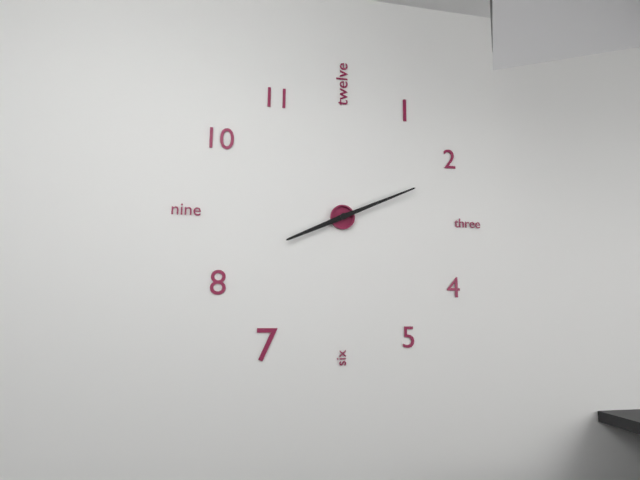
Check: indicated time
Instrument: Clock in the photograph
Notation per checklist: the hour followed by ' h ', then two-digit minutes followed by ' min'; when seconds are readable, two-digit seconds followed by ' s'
8 h 11 min
